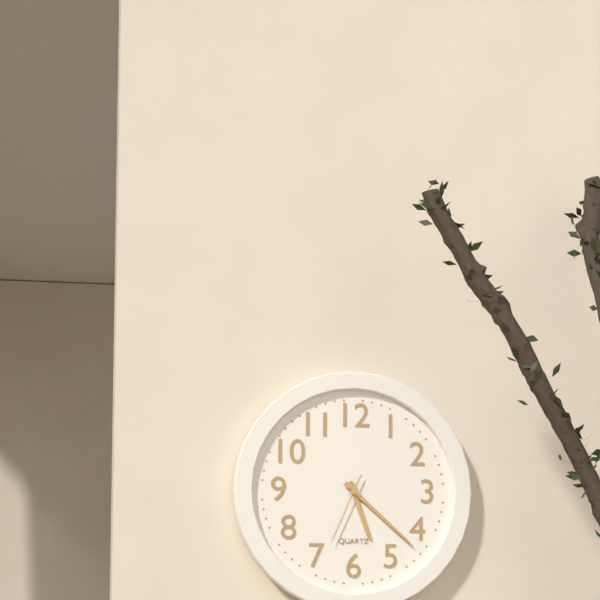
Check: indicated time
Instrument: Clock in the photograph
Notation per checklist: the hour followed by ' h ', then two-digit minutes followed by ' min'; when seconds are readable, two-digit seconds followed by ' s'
5 h 22 min 34 s
